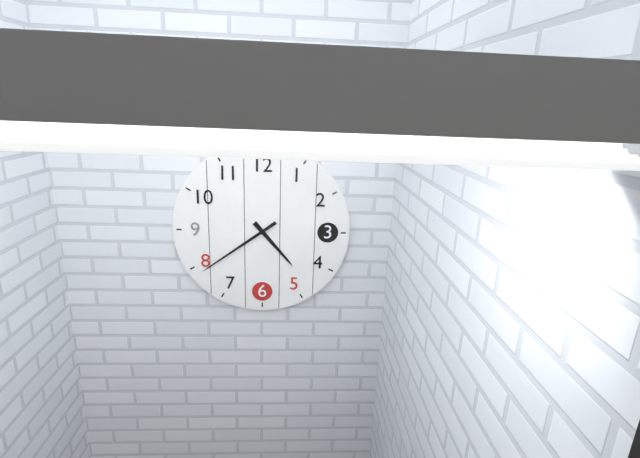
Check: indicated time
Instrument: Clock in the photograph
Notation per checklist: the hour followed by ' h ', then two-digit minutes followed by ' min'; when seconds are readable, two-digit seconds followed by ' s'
4 h 39 min
